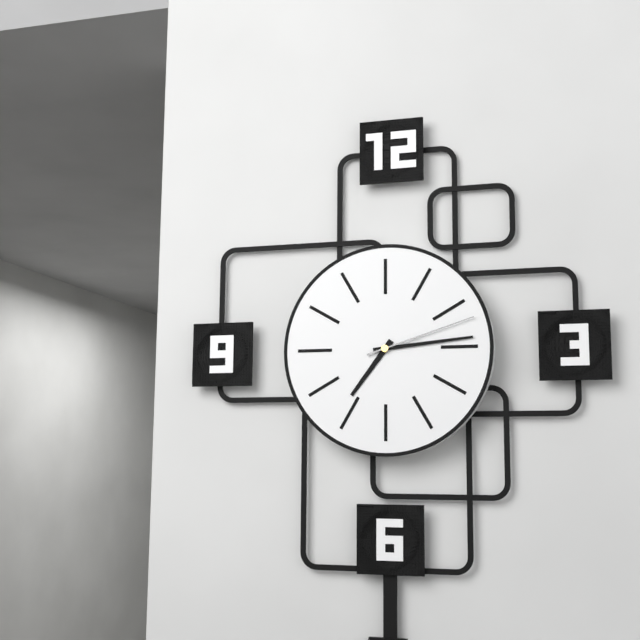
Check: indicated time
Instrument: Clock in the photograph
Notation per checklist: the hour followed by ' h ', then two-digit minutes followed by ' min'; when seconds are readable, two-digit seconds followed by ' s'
7 h 14 min 12 s
